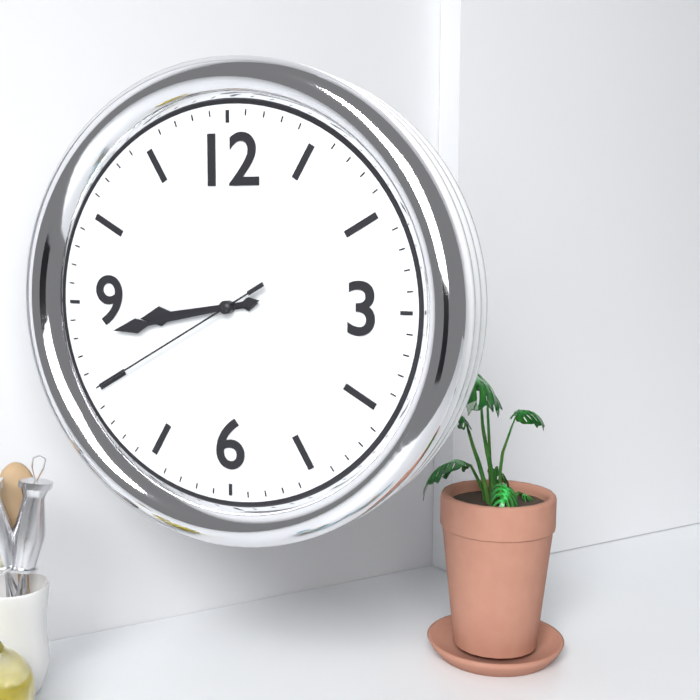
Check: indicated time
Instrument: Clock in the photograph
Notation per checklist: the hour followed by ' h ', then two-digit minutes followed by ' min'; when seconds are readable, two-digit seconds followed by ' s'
8 h 43 min 40 s
